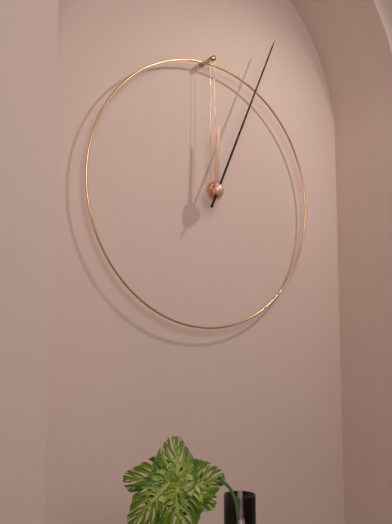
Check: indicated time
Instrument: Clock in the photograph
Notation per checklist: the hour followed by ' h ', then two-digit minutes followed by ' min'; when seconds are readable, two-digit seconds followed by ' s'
12 h 04 min
